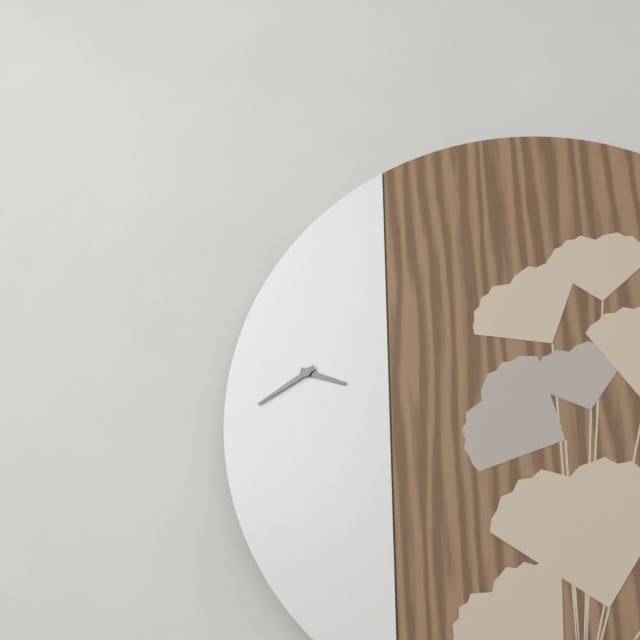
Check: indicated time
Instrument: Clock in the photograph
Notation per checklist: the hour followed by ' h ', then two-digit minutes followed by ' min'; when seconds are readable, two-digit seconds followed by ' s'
3 h 40 min
